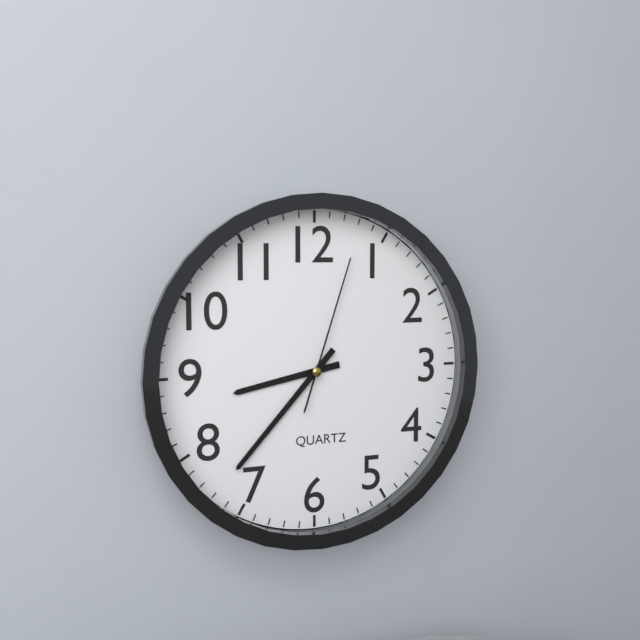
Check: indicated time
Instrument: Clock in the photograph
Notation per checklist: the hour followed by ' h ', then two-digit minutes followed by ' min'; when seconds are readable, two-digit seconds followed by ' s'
8 h 37 min 03 s
